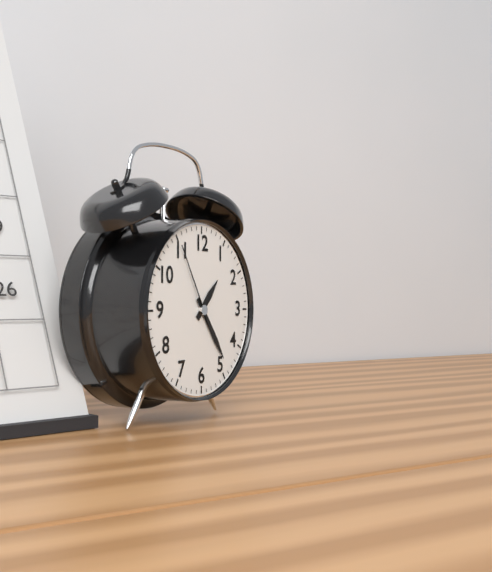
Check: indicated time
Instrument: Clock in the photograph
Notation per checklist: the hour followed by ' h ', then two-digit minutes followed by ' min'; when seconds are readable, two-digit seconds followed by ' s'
1 h 24 min 55 s
